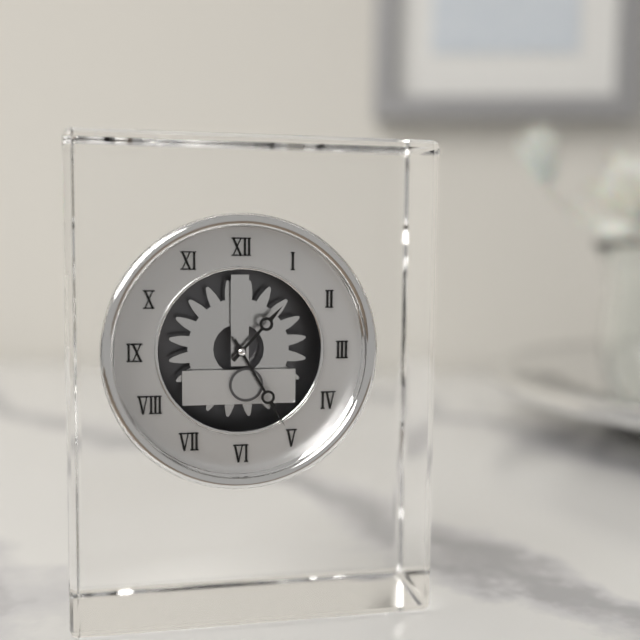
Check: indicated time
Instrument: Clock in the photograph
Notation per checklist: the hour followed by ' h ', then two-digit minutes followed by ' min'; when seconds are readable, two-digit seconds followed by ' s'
1 h 25 min
